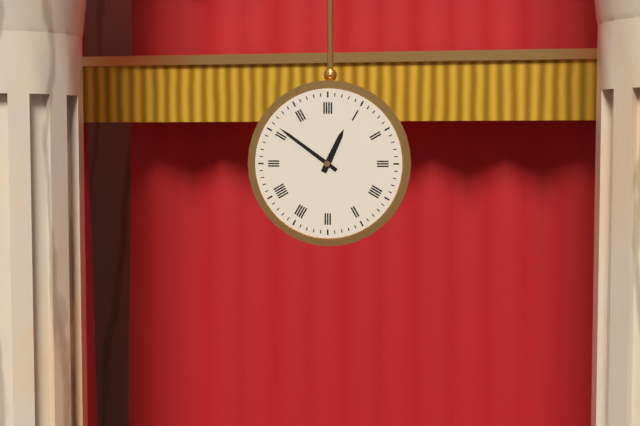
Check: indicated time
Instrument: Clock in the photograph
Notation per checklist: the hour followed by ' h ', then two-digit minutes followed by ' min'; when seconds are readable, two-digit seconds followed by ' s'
12 h 51 min
